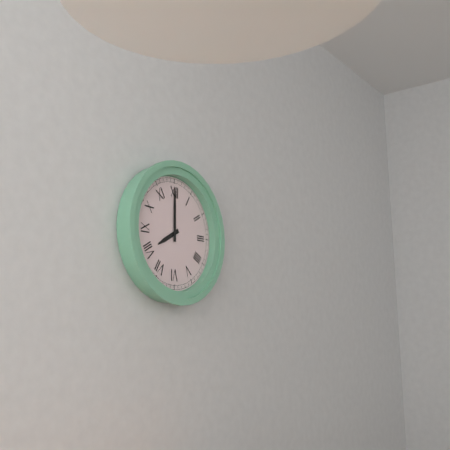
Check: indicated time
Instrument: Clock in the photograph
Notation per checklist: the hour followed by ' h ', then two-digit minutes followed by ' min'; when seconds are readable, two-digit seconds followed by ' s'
8 h 00 min
